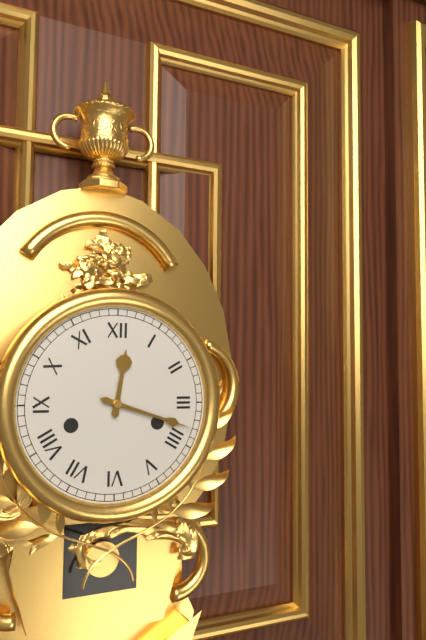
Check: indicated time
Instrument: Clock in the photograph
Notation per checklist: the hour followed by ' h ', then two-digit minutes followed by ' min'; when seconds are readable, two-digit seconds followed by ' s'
12 h 18 min
